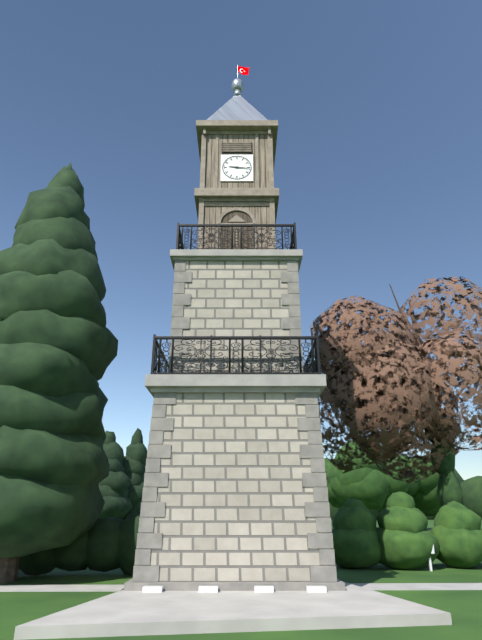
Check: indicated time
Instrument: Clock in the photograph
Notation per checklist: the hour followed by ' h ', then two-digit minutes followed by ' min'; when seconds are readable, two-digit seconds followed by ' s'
9 h 16 min
